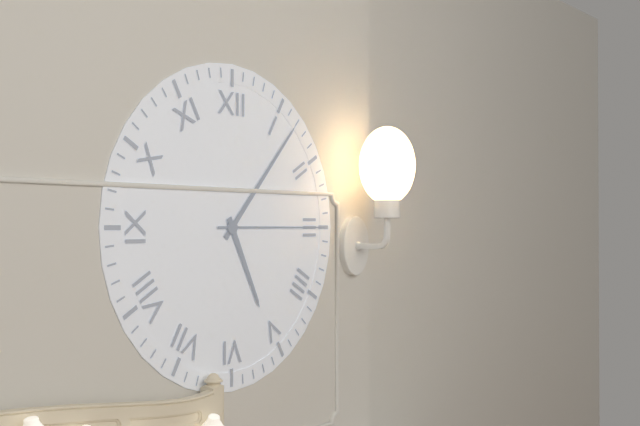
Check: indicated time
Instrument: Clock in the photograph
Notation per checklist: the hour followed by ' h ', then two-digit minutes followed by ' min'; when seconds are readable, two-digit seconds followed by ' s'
5 h 07 min 15 s
